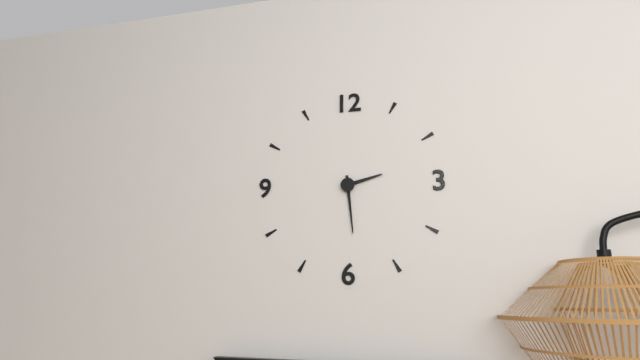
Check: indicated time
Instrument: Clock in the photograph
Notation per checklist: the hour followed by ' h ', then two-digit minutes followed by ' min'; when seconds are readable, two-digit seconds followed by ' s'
2 h 29 min
